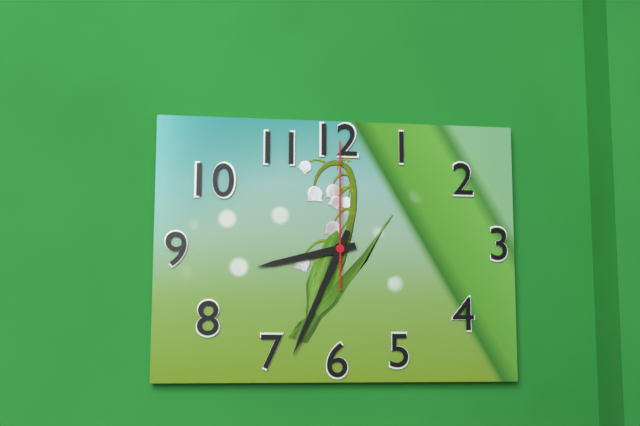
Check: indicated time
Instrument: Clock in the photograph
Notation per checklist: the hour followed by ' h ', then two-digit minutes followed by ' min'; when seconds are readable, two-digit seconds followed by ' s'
8 h 34 min 00 s
